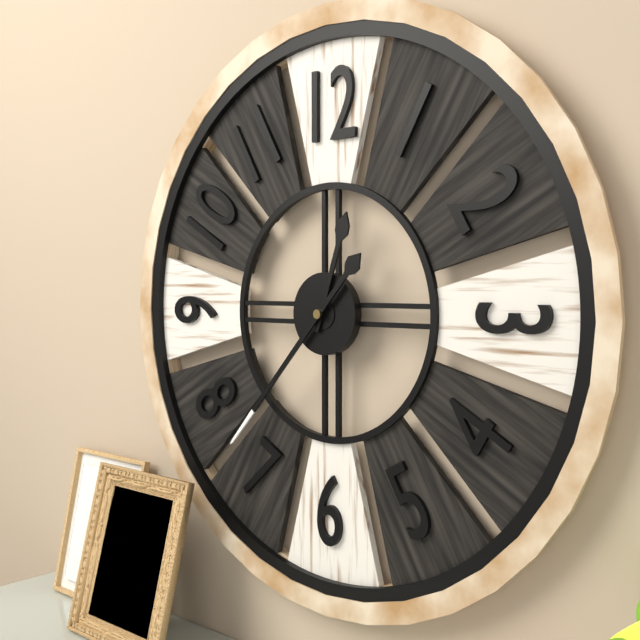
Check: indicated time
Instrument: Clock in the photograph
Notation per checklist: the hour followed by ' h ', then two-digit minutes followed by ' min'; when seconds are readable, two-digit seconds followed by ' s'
12 h 37 min
